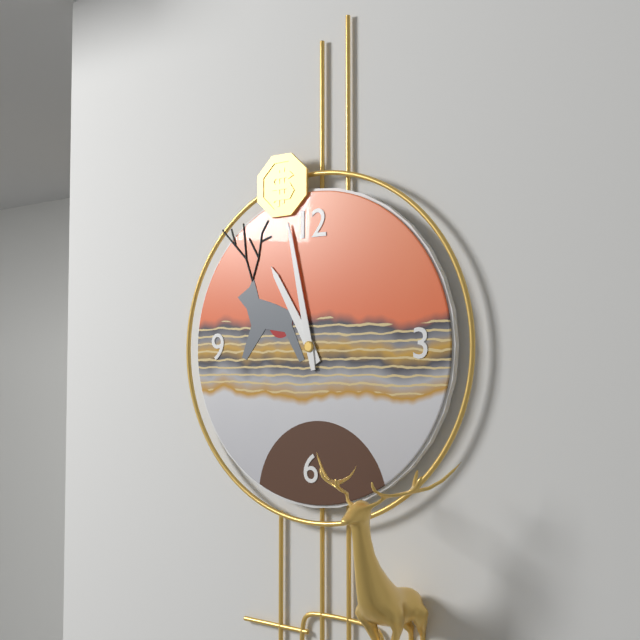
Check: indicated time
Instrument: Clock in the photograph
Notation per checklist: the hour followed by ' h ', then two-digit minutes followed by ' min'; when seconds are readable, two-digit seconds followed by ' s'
10 h 58 min
